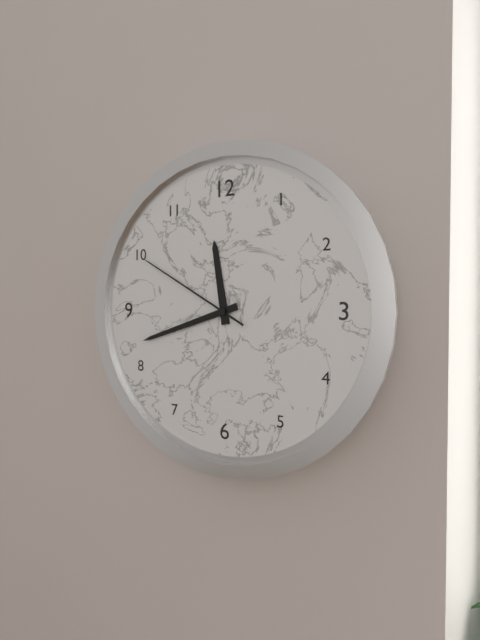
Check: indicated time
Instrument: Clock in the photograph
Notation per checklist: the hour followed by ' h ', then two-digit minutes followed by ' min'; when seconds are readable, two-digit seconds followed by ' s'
11 h 42 min 50 s
